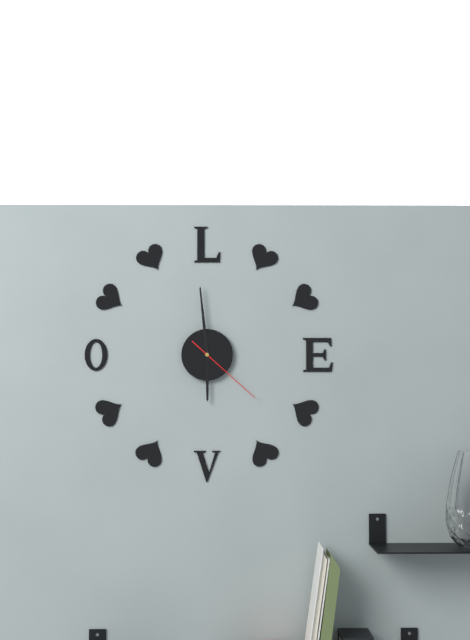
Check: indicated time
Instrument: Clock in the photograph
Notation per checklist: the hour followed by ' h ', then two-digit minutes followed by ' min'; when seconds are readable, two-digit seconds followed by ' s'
5 h 59 min 22 s
